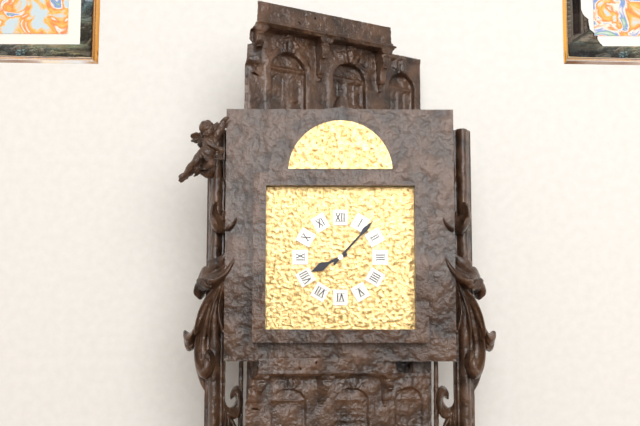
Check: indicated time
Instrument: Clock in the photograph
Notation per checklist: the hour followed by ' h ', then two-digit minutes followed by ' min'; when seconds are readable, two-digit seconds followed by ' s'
8 h 07 min
